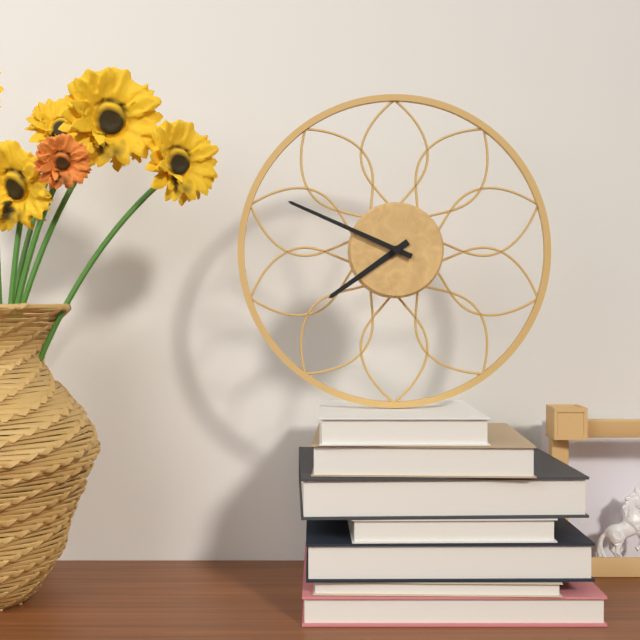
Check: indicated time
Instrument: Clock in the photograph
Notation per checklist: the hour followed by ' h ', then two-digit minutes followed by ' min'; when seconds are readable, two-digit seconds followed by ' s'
7 h 49 min
